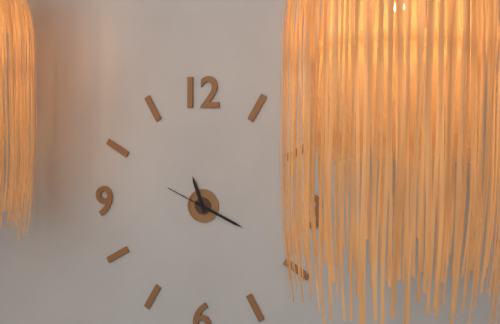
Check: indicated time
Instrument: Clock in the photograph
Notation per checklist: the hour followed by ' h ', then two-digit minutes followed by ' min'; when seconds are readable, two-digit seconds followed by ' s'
11 h 19 min
